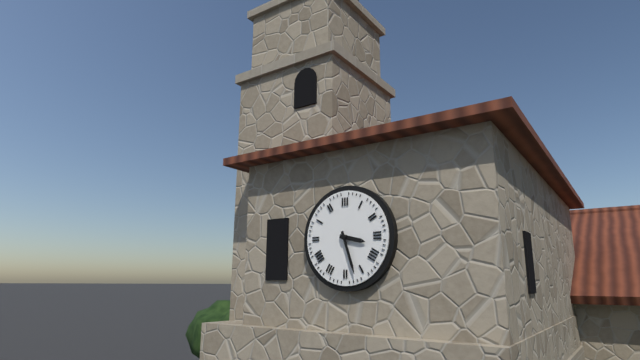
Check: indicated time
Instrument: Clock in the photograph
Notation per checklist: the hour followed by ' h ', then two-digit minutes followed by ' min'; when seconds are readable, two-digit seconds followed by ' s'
3 h 27 min
